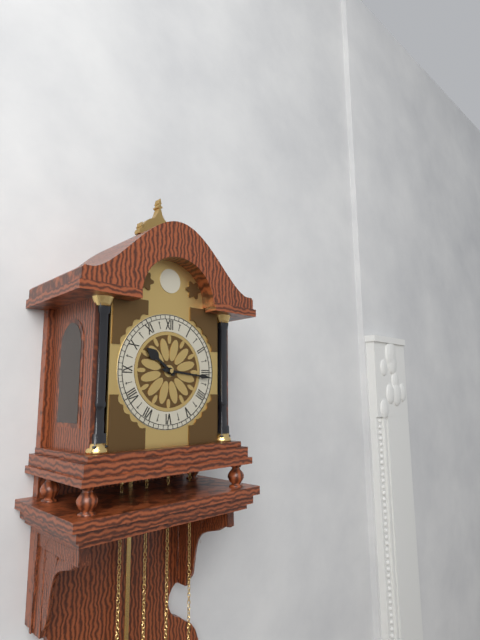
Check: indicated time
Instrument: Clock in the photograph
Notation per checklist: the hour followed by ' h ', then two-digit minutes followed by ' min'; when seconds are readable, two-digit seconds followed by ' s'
10 h 16 min
